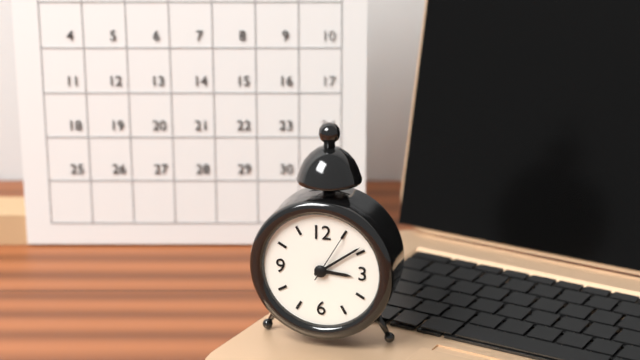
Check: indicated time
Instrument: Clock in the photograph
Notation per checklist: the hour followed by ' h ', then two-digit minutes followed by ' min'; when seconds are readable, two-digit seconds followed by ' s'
3 h 09 min
